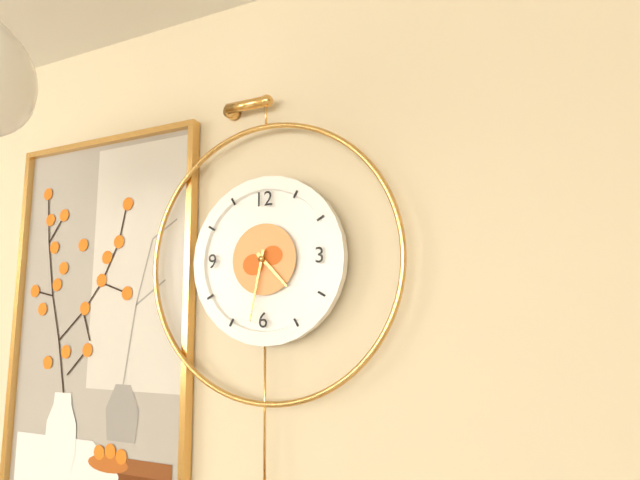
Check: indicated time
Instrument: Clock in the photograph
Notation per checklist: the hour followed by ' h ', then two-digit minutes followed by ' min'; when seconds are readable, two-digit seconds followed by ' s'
4 h 32 min
